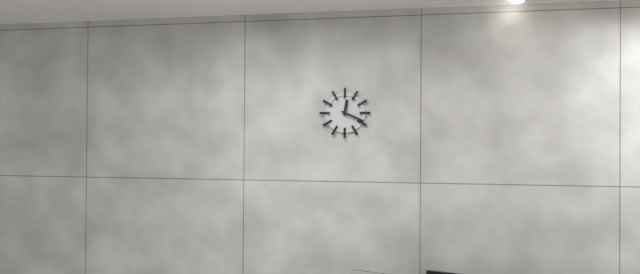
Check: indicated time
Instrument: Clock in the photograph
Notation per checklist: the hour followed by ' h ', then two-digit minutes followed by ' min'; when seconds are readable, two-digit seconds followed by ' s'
12 h 19 min
